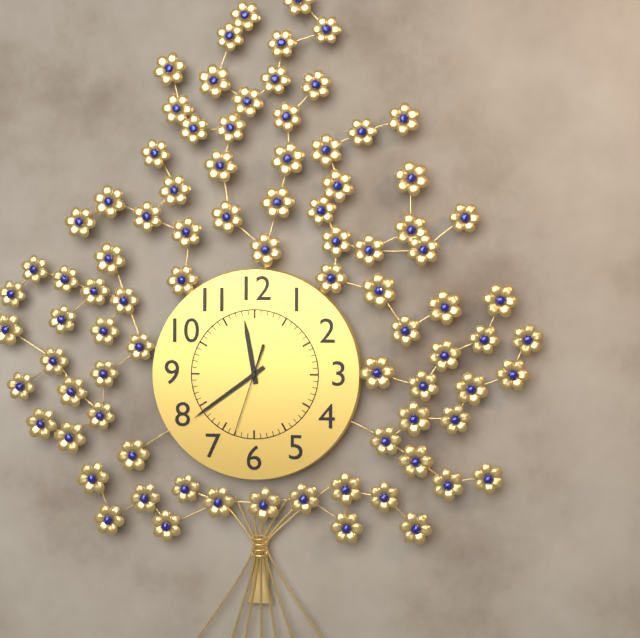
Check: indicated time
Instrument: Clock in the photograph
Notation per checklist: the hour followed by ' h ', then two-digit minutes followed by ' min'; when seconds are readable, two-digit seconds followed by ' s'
11 h 39 min 33 s
